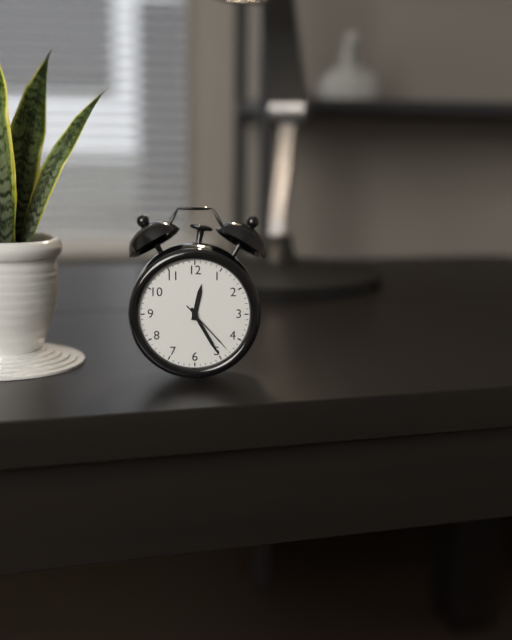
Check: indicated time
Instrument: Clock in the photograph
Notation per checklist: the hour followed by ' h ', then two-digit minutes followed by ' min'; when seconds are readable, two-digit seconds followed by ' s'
12 h 25 min 23 s
